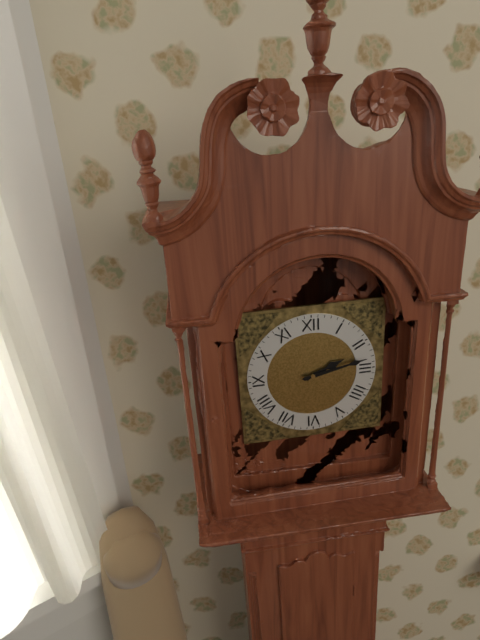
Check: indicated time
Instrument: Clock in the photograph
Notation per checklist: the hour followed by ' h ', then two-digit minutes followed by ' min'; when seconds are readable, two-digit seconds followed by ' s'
2 h 13 min
